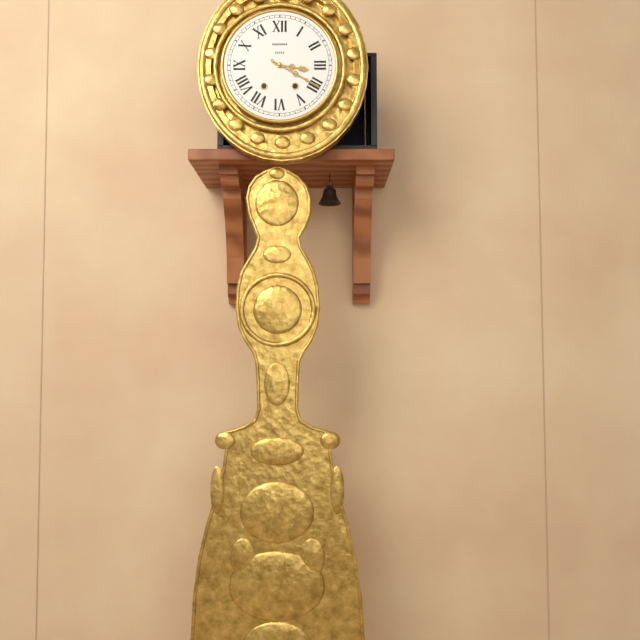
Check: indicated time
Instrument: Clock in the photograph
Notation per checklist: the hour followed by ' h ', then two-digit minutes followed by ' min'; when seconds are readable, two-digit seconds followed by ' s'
3 h 20 min
